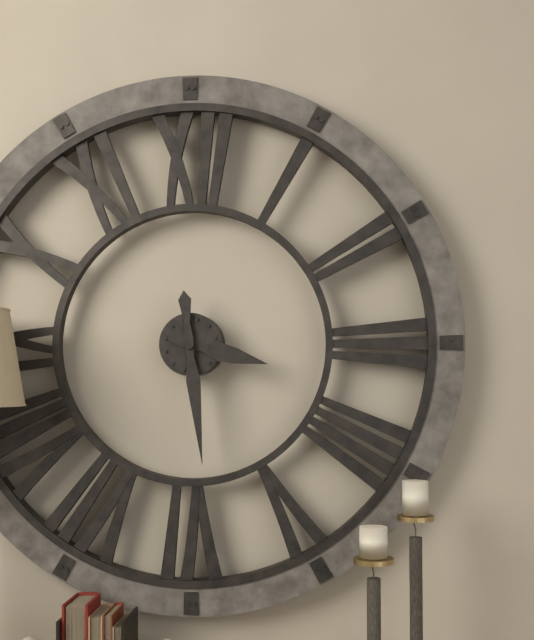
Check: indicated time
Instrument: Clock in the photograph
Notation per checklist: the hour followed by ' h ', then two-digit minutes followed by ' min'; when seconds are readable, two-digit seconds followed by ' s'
3 h 29 min
